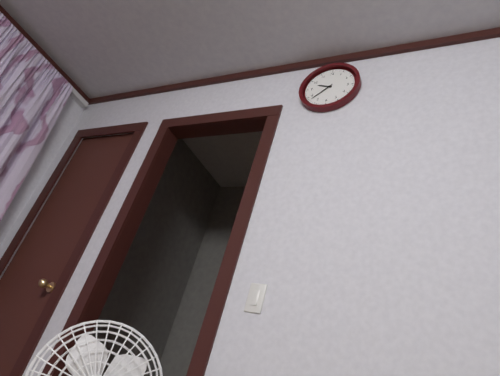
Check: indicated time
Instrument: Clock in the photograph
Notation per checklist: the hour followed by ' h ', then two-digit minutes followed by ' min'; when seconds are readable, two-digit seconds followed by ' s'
9 h 38 min
